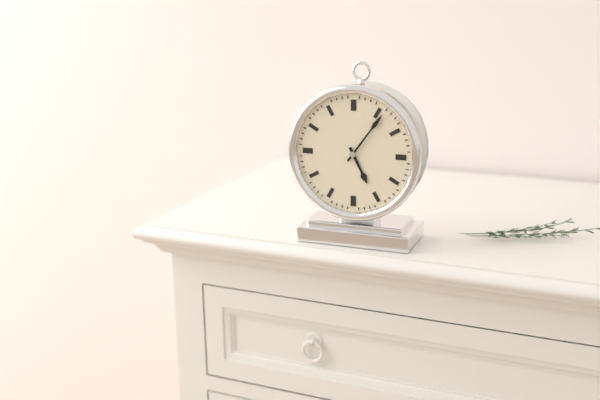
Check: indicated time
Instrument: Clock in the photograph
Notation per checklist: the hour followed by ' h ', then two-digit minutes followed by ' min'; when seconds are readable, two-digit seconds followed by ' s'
5 h 06 min
